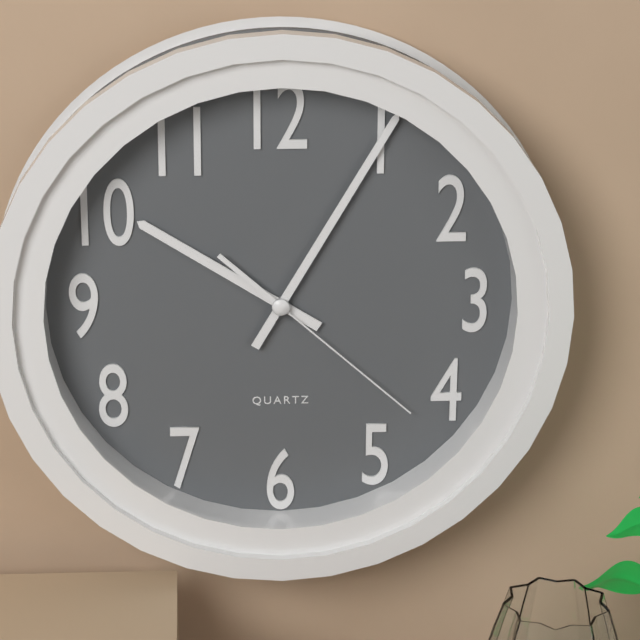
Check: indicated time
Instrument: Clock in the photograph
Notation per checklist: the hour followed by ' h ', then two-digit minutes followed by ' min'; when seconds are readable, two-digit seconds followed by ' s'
10 h 05 min 22 s
